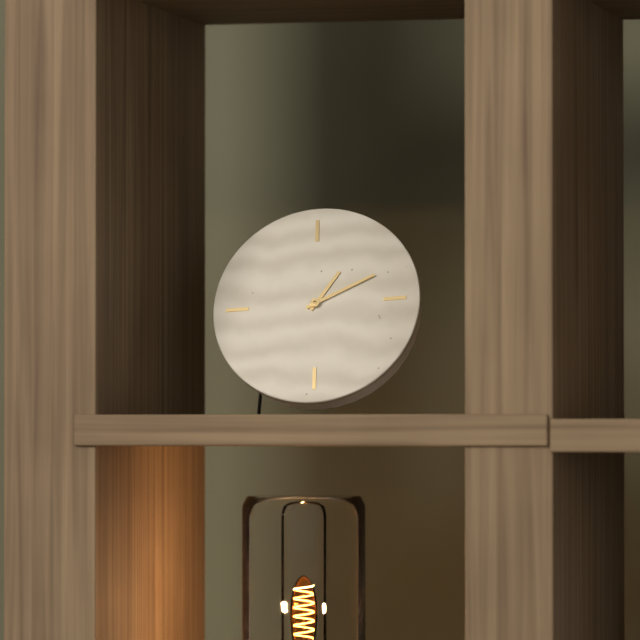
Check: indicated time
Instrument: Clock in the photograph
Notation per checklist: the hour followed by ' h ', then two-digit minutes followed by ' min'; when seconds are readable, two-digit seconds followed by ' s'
1 h 11 min
